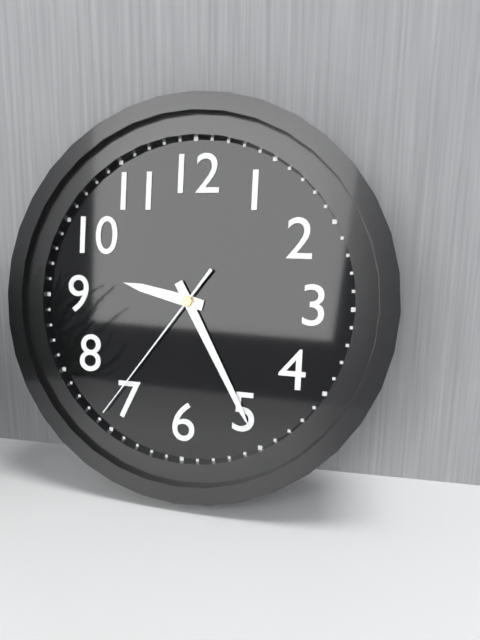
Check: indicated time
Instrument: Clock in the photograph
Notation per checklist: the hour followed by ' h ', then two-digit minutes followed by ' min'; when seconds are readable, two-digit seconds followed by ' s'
9 h 25 min 36 s
